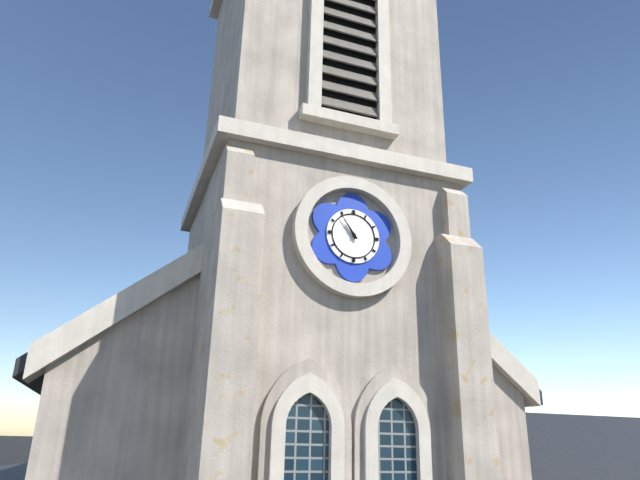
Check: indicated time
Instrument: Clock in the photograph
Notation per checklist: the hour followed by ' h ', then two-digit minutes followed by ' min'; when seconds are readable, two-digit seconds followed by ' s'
10 h 54 min
